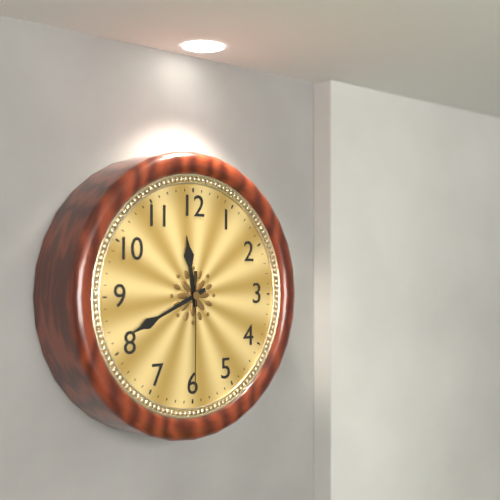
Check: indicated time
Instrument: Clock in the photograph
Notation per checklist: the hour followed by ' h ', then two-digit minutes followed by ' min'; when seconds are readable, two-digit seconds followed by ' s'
11 h 41 min 30 s
